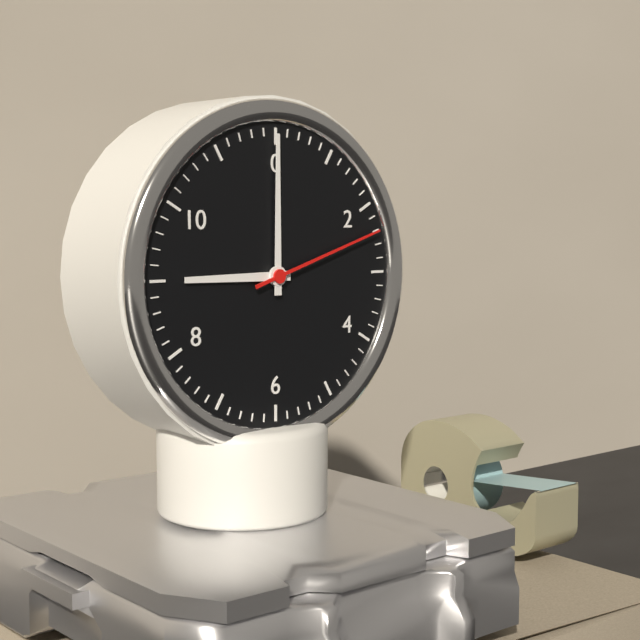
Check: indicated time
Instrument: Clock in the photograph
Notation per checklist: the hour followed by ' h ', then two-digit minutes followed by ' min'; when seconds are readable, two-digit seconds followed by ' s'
9 h 00 min 12 s
